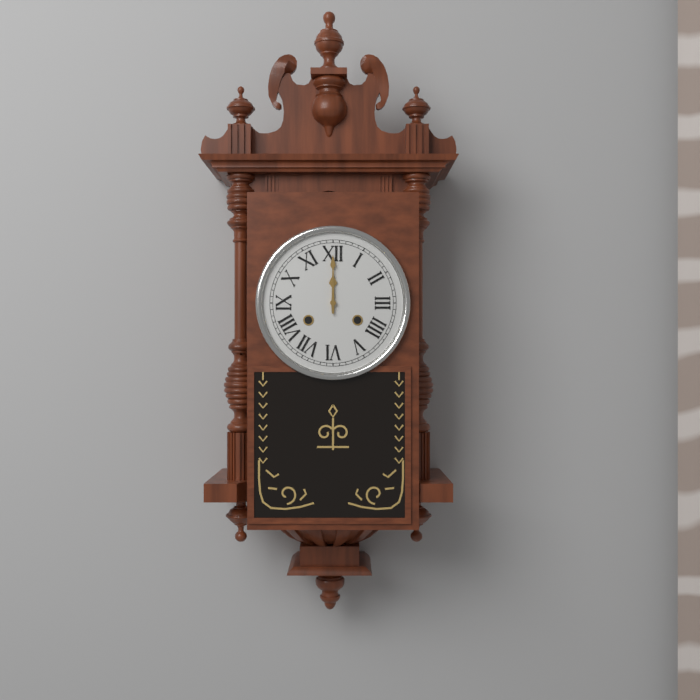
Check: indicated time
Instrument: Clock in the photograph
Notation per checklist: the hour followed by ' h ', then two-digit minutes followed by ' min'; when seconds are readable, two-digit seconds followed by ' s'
12 h 00 min
